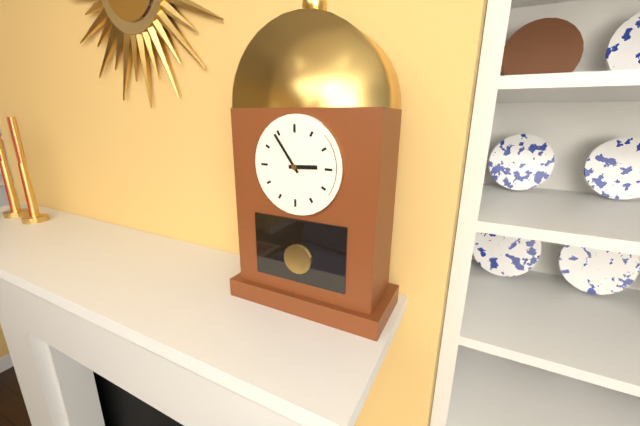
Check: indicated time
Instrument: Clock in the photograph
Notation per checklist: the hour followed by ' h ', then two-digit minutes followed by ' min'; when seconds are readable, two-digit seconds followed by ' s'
2 h 54 min
